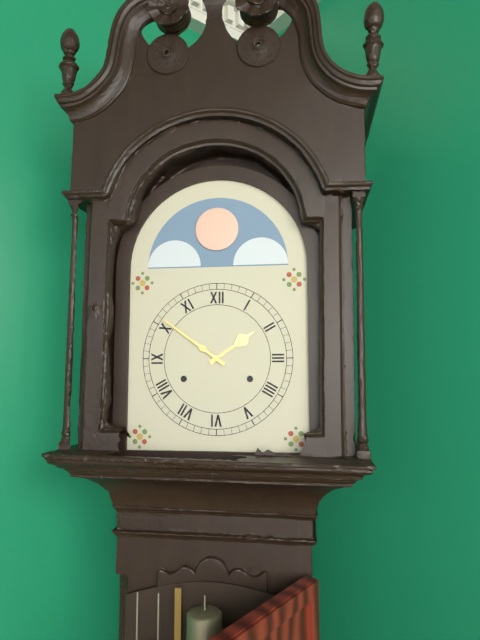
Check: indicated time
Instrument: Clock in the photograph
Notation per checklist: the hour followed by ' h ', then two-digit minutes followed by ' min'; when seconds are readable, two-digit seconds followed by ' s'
1 h 51 min
